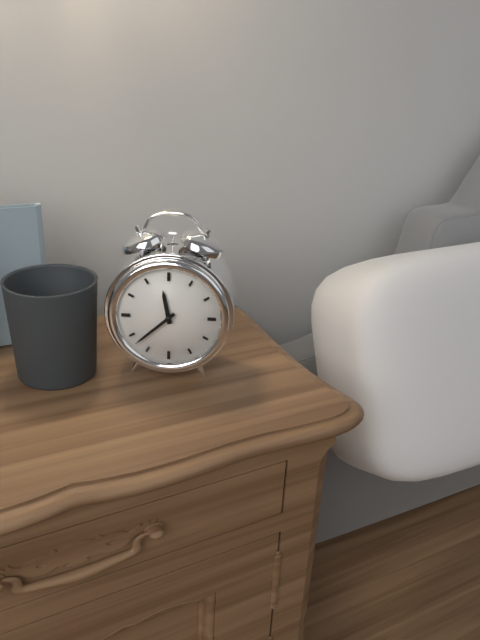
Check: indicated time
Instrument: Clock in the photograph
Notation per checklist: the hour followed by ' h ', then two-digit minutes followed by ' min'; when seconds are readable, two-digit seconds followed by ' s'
11 h 38 min
